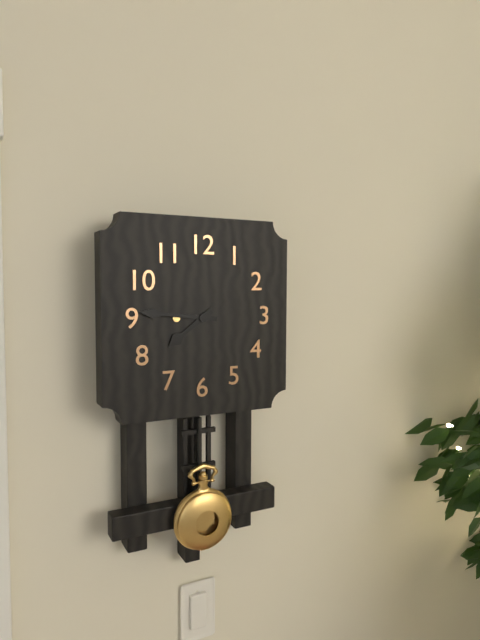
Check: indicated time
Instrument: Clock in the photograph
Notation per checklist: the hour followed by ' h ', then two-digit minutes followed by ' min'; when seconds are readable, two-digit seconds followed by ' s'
7 h 46 min
